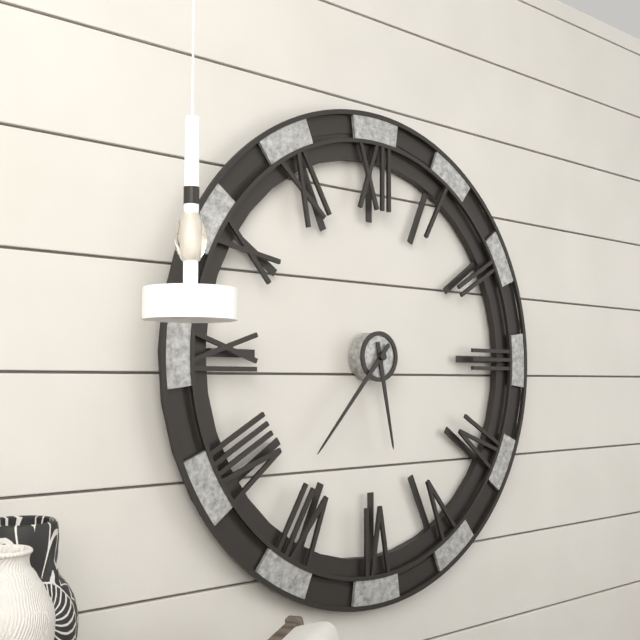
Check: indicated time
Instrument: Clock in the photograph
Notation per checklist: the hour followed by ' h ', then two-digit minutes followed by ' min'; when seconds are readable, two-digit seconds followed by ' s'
5 h 37 min
